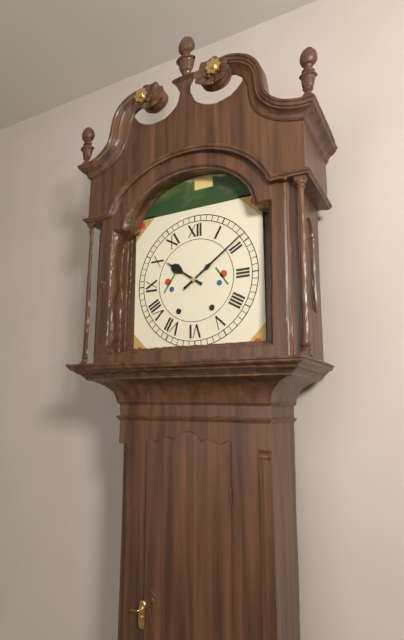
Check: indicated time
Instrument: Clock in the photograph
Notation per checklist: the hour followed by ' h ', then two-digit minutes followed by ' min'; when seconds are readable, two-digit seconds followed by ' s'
10 h 09 min
